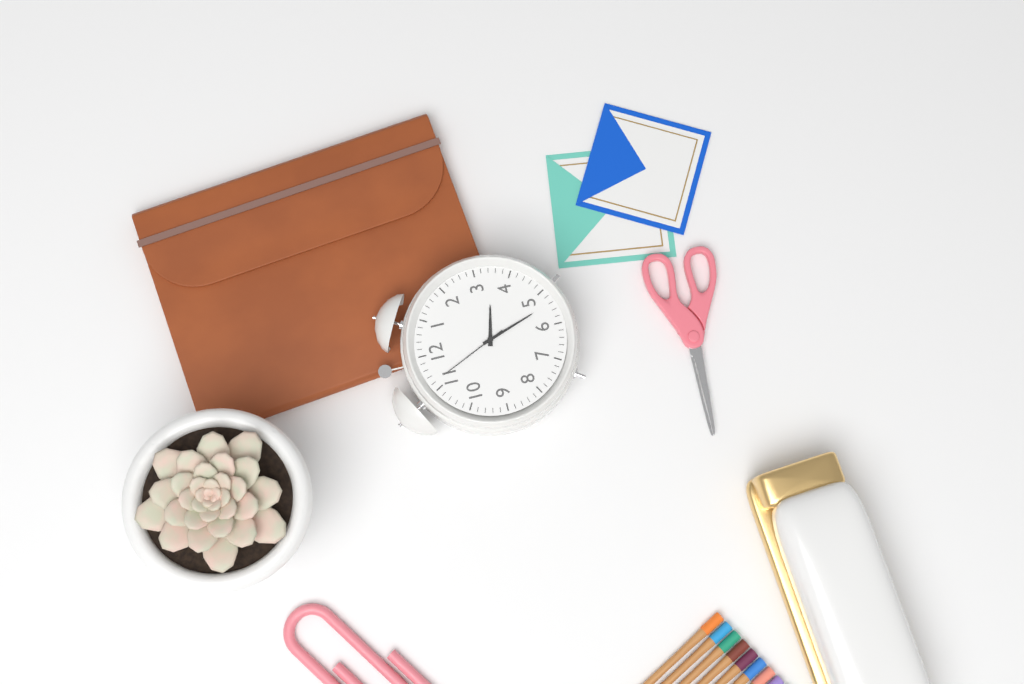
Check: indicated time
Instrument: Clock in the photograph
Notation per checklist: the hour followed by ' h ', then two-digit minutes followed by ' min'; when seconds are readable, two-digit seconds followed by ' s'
3 h 27 min 56 s
